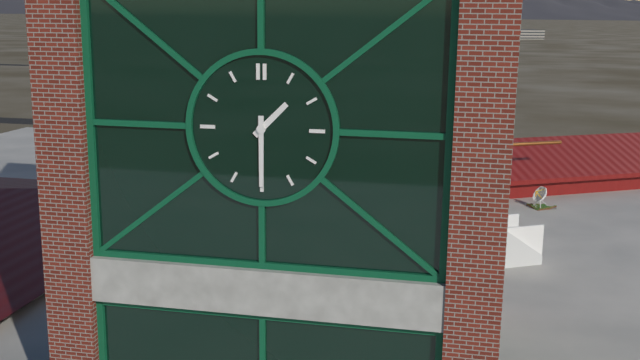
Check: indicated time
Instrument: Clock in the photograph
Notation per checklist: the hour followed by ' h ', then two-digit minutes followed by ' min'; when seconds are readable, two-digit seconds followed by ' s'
1 h 30 min
